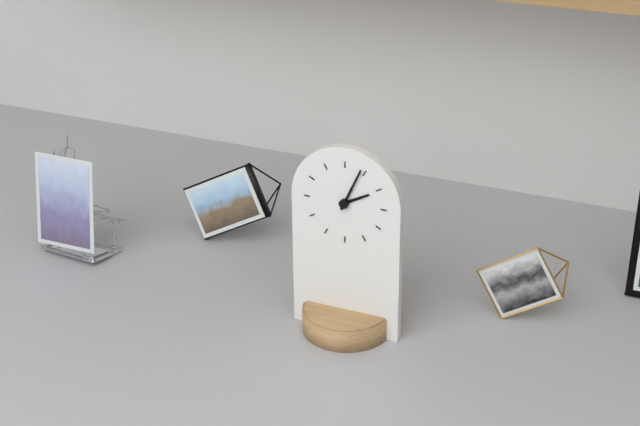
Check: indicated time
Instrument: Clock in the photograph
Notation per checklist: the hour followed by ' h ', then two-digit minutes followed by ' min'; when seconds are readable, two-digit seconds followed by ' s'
2 h 04 min
